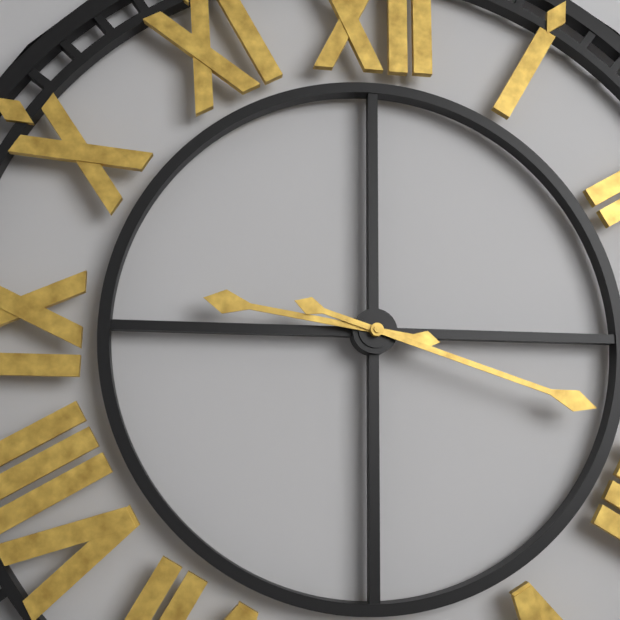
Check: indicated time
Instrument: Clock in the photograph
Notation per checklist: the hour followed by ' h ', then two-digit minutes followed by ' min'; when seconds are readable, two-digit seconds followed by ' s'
9 h 18 min
